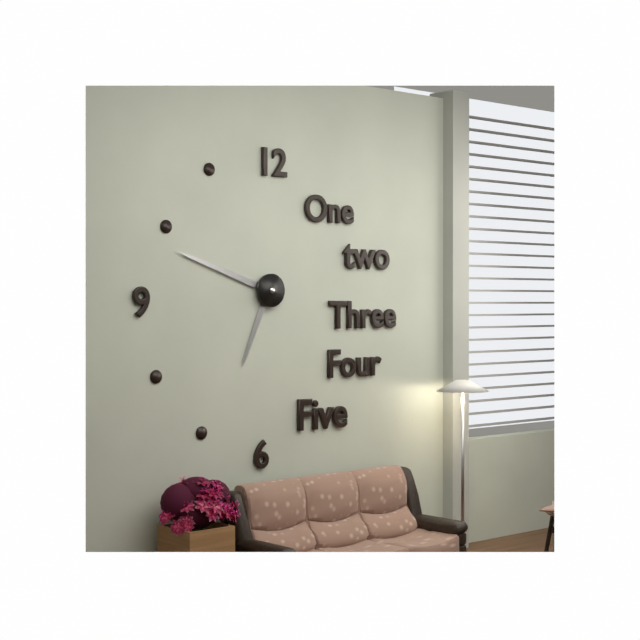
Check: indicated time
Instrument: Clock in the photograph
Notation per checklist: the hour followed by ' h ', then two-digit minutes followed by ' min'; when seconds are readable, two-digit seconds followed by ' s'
6 h 48 min
